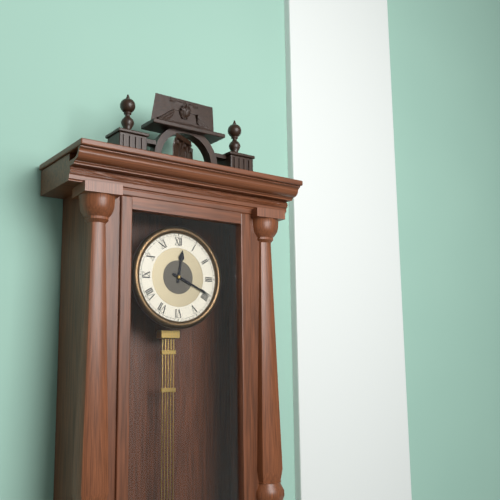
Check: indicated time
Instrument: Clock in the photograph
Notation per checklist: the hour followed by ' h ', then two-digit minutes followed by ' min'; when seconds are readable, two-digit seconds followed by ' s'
12 h 19 min
